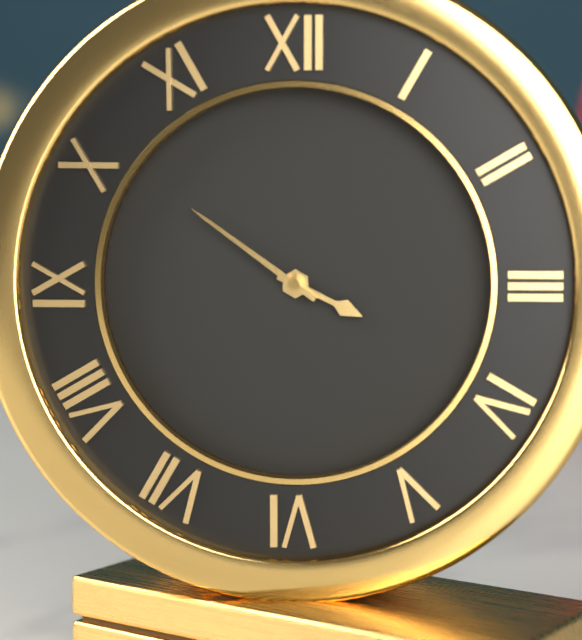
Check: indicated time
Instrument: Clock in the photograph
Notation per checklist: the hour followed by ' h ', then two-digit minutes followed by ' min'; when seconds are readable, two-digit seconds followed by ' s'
3 h 51 min
